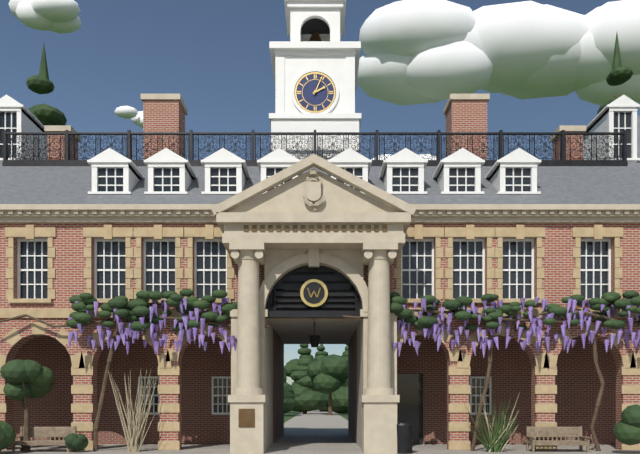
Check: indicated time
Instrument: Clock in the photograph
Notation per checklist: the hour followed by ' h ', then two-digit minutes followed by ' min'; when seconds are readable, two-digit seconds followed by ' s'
2 h 04 min
